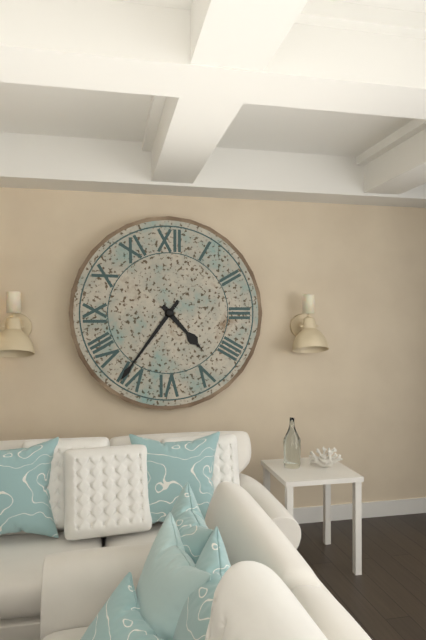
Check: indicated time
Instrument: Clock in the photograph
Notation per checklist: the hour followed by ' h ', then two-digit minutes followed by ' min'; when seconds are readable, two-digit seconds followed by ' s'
4 h 36 min
